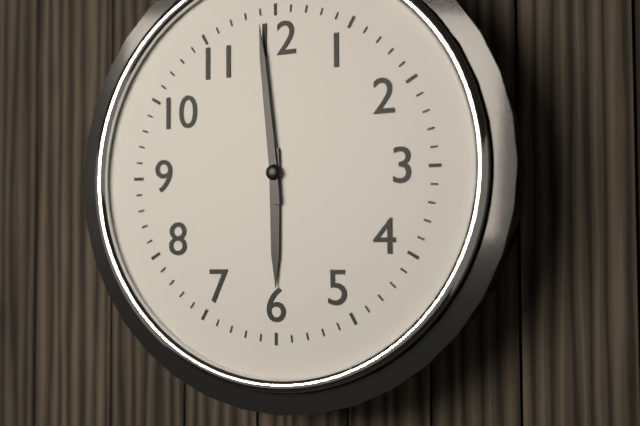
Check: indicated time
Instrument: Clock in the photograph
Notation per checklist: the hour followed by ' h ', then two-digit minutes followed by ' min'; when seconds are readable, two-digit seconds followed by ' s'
5 h 59 min
